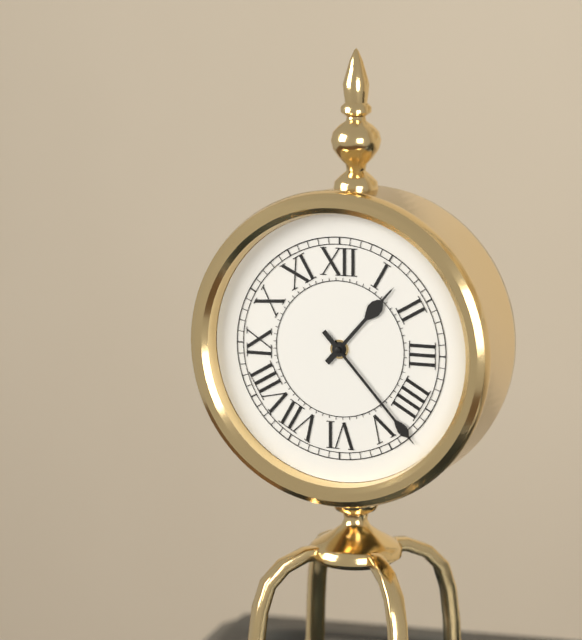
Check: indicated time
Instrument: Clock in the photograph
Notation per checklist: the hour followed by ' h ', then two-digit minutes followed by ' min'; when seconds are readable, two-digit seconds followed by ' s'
1 h 23 min
